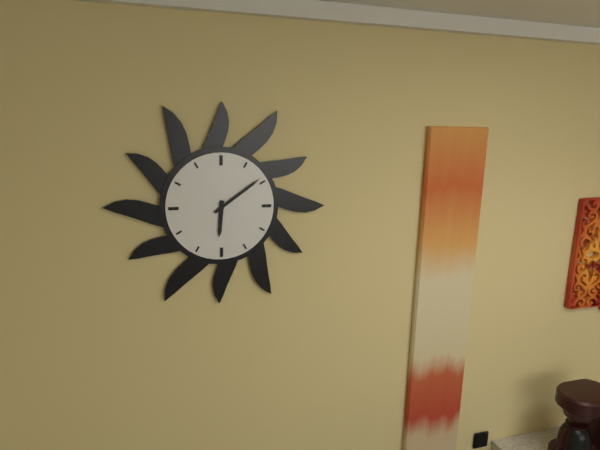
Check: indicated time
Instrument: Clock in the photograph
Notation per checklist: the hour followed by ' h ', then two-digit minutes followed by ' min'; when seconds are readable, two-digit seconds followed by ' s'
6 h 09 min
